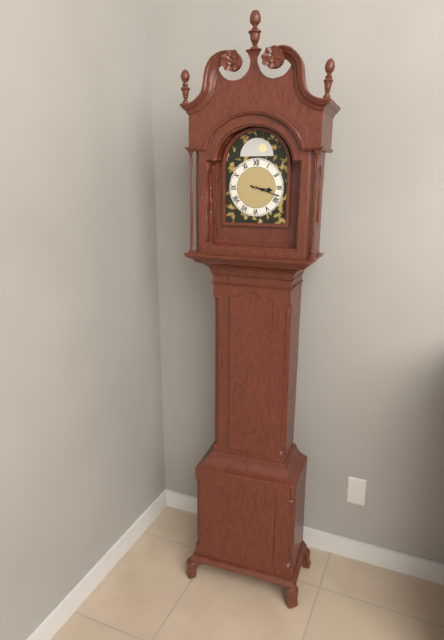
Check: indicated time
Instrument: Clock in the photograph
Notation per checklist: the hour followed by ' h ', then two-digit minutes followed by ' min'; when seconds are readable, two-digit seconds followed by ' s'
3 h 18 min
